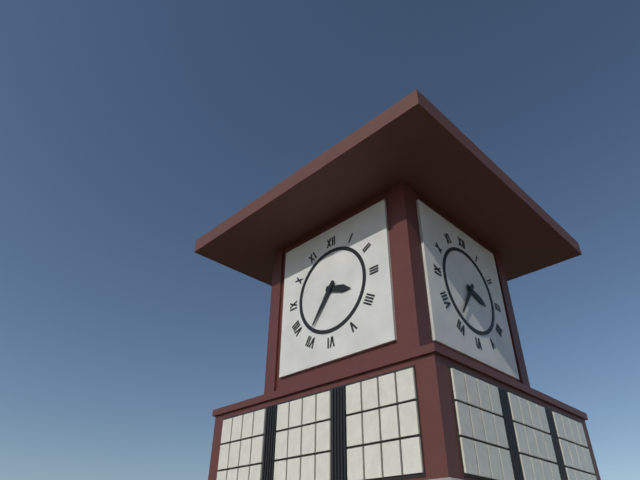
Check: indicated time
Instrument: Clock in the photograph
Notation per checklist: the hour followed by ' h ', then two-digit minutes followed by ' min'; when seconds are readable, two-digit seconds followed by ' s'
3 h 36 min
